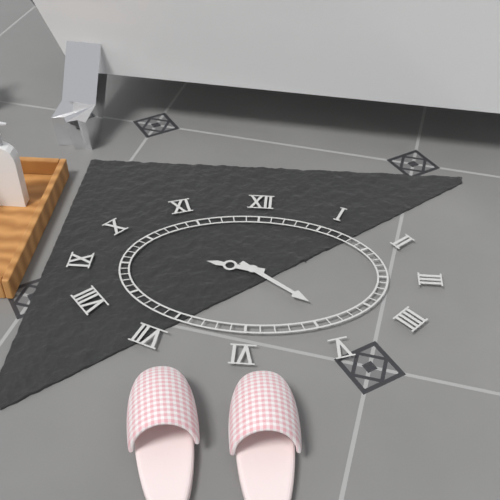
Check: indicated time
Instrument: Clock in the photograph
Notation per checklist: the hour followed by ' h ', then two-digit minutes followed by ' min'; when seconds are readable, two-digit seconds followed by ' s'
9 h 21 min
